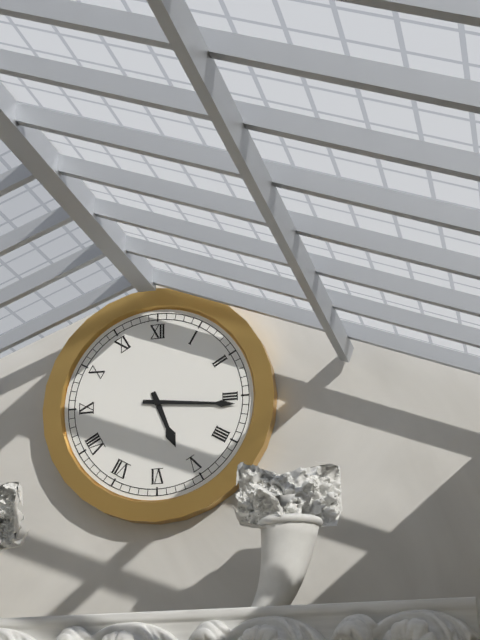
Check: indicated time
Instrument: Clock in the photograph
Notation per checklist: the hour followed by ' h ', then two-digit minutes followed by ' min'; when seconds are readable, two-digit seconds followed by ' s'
5 h 16 min
